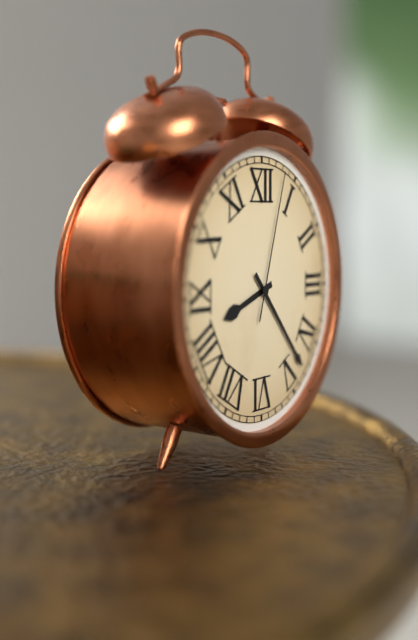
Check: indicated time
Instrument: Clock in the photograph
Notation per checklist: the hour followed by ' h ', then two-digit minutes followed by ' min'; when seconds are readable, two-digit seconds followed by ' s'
8 h 23 min 03 s
